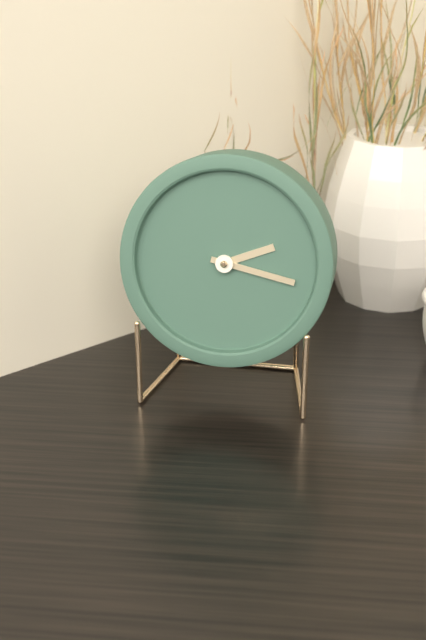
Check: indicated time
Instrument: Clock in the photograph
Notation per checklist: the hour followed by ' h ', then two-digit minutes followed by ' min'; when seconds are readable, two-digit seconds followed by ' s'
2 h 17 min
